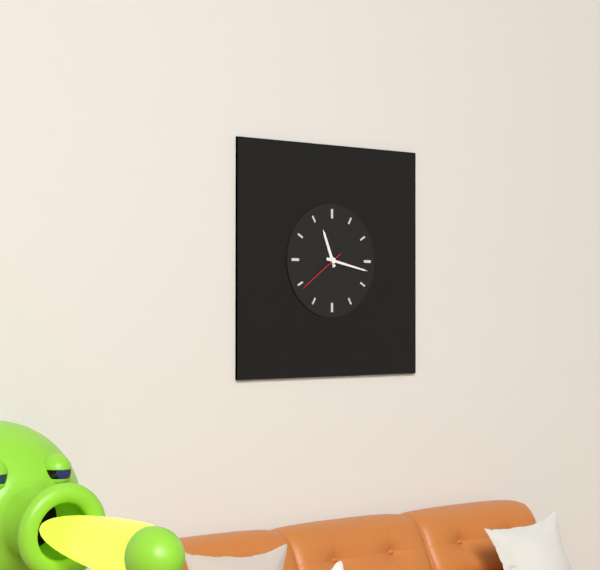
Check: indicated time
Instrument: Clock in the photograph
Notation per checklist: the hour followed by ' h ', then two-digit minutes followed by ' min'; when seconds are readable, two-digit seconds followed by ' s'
11 h 17 min 39 s
